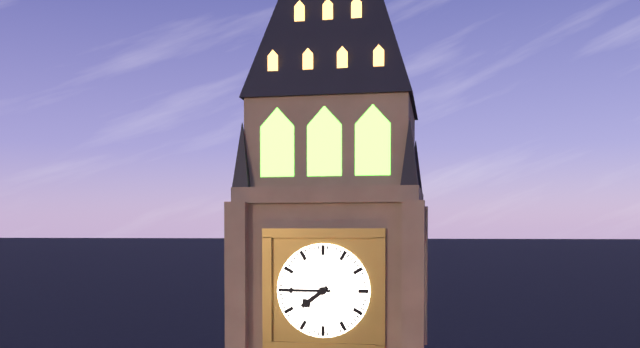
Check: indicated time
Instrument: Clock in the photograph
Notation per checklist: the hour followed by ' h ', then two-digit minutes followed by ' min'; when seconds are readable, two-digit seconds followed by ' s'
7 h 45 min
